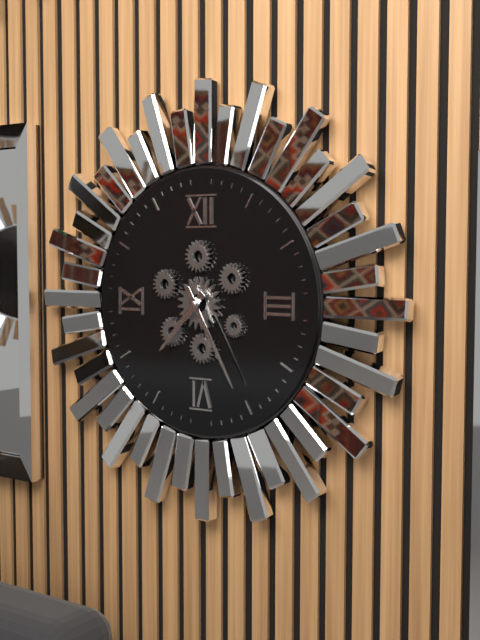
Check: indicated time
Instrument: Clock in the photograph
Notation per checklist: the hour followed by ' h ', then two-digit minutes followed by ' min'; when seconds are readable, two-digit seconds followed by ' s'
7 h 25 min
